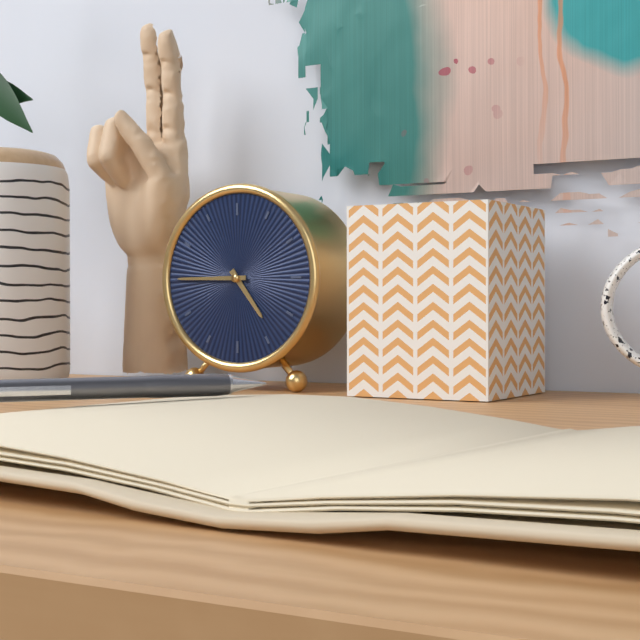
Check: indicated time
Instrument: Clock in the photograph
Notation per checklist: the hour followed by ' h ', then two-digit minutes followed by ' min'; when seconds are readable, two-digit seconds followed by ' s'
4 h 45 min
